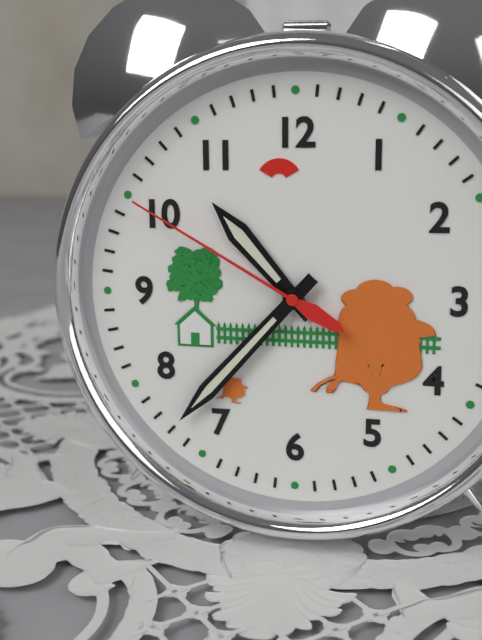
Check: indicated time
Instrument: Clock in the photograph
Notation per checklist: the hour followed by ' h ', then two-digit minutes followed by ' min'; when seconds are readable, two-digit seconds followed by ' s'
10 h 37 min 50 s
